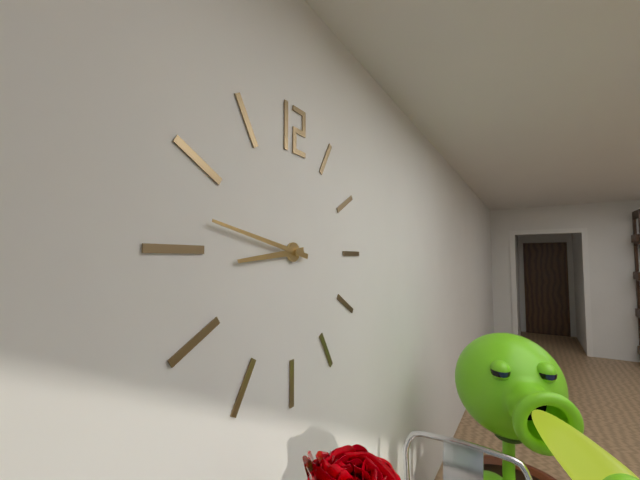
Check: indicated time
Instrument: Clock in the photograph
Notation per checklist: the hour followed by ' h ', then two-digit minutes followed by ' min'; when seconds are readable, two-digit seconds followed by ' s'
8 h 47 min
